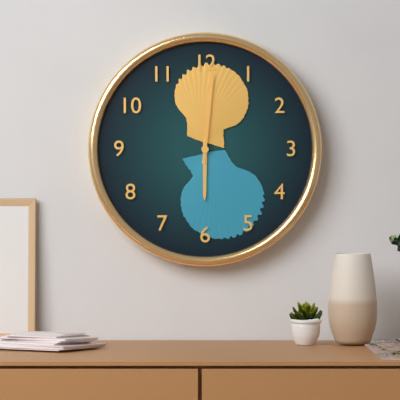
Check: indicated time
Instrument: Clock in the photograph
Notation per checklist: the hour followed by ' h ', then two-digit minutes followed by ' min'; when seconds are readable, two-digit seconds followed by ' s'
6 h 01 min
